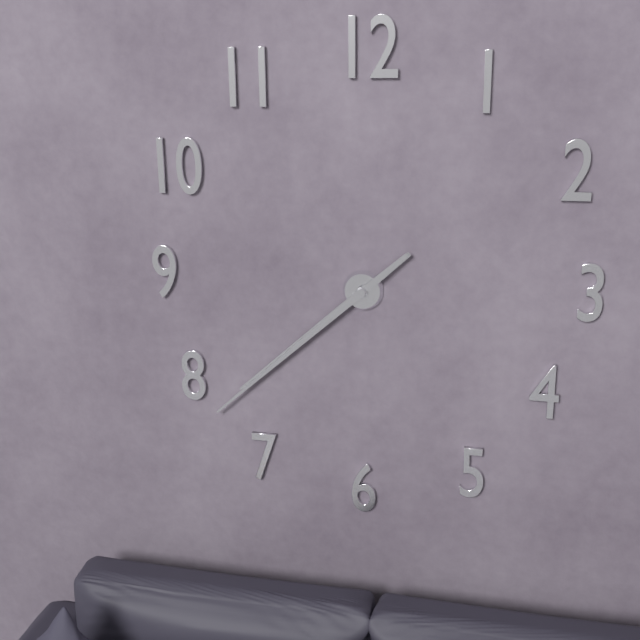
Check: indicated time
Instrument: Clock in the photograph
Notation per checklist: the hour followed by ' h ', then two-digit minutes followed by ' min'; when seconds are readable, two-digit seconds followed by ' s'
7 h 38 min
